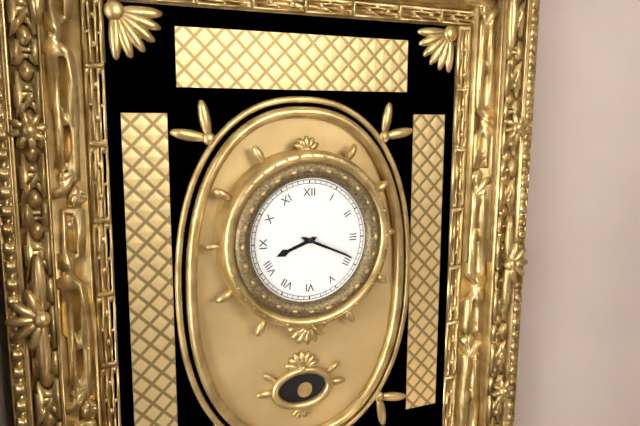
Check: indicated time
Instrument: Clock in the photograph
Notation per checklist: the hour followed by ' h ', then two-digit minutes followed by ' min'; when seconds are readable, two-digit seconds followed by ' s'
8 h 19 min
